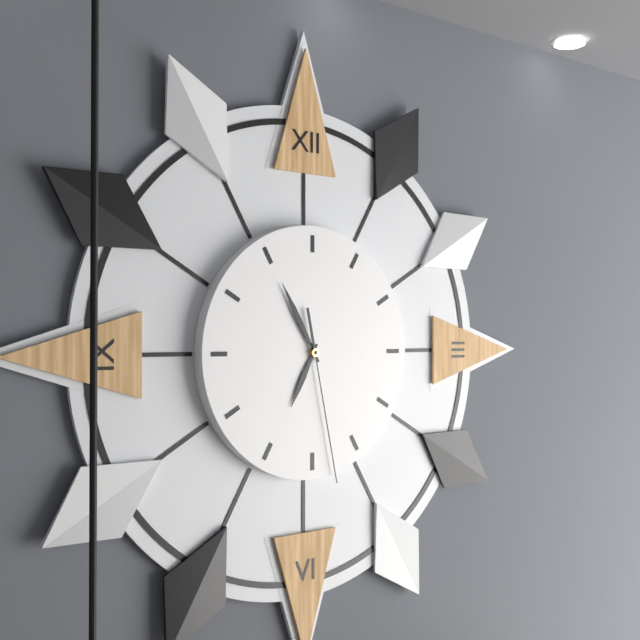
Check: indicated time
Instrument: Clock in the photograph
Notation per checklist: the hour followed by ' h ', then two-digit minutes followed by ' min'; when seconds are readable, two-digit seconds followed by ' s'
6 h 55 min 28 s
